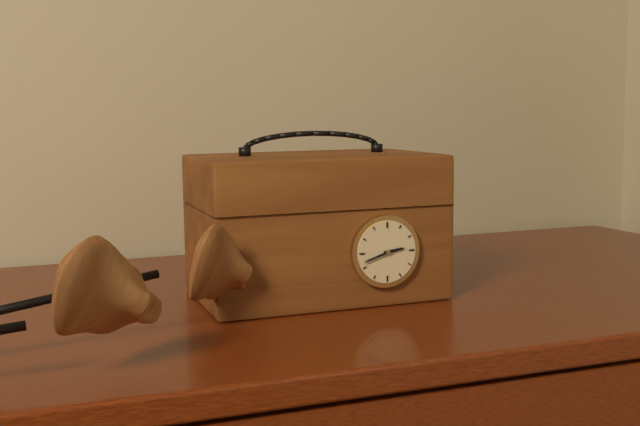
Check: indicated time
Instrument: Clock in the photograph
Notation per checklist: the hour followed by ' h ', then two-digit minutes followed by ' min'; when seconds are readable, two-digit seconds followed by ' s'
2 h 42 min
